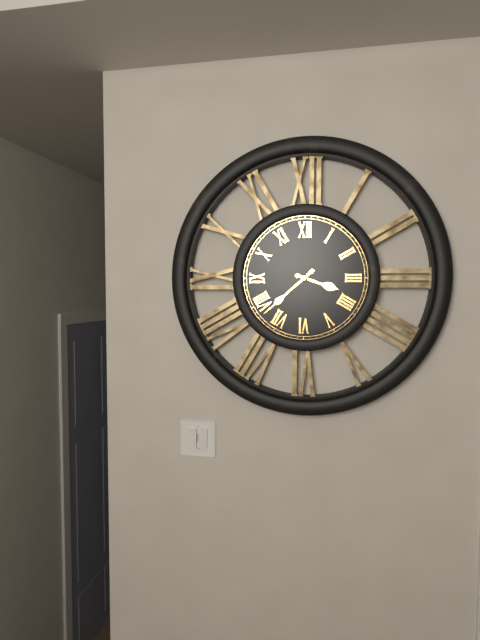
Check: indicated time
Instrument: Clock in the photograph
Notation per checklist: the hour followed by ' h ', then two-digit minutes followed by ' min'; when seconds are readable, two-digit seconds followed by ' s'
3 h 38 min
